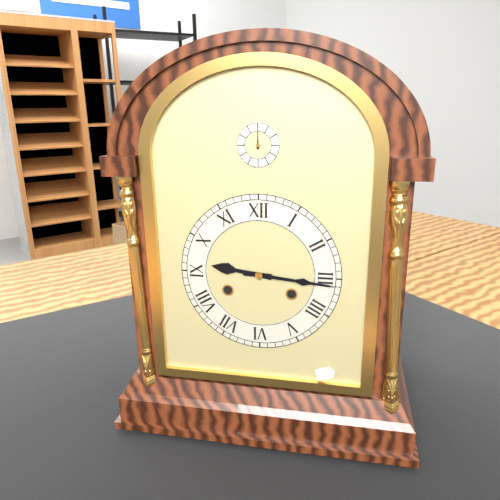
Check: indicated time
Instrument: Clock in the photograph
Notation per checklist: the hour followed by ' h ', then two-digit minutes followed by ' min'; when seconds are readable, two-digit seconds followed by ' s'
9 h 16 min
